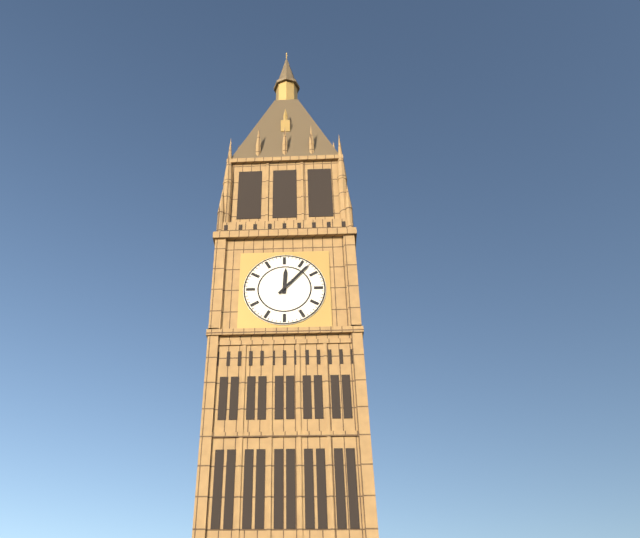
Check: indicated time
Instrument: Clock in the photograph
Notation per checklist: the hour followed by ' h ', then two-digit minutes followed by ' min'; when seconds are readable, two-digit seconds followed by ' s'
12 h 07 min
